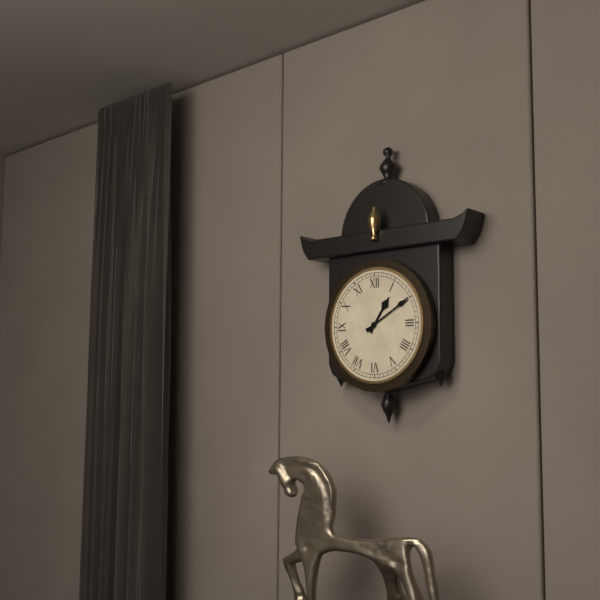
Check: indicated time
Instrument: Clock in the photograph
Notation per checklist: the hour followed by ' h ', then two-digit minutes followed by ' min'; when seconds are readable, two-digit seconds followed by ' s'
1 h 10 min
